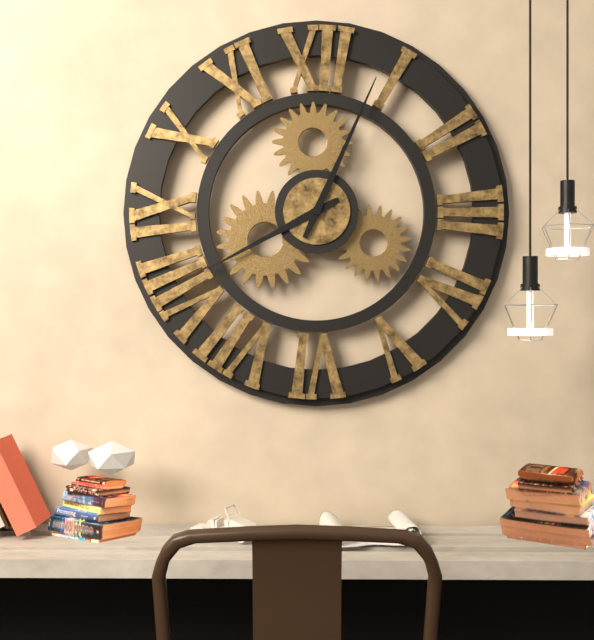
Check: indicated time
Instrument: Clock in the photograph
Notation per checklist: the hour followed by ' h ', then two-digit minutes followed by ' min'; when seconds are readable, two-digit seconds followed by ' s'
8 h 04 min
